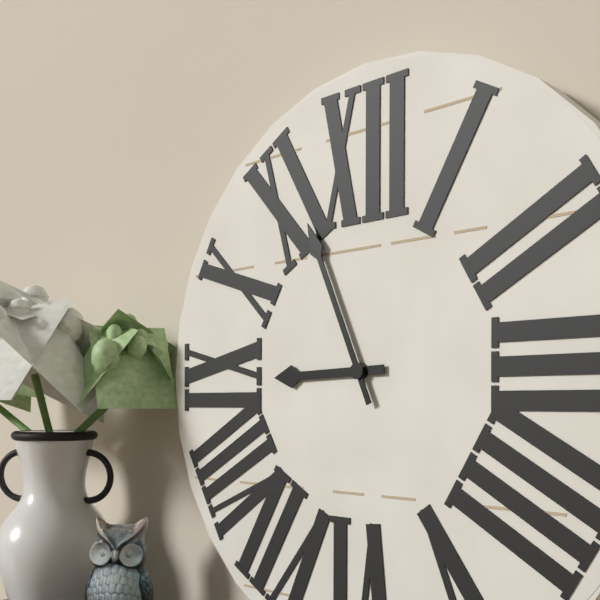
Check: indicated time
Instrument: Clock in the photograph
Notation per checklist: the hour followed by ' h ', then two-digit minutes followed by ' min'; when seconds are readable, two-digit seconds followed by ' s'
8 h 56 min
